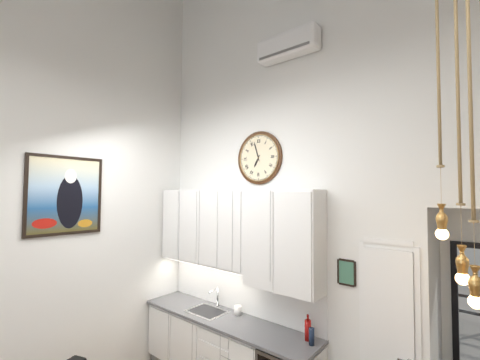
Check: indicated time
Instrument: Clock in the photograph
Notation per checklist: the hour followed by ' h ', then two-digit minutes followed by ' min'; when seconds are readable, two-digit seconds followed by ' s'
6 h 57 min
